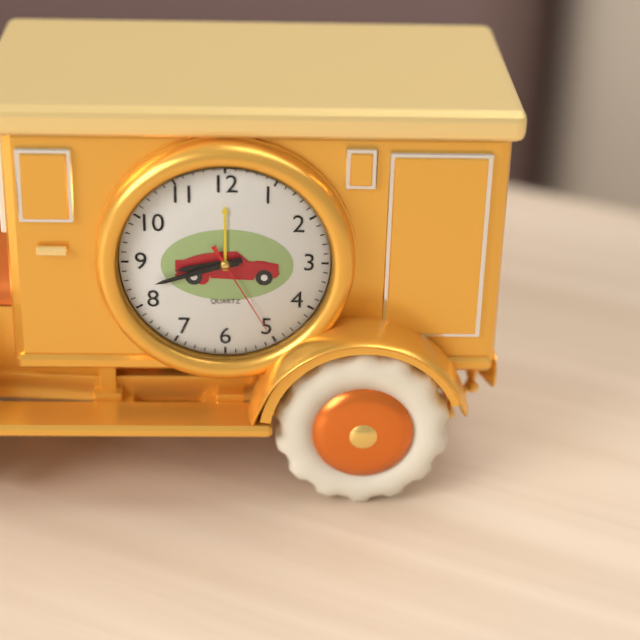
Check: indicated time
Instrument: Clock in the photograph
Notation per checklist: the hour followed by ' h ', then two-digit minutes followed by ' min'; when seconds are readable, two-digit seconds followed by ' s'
8 h 42 min 25 s
